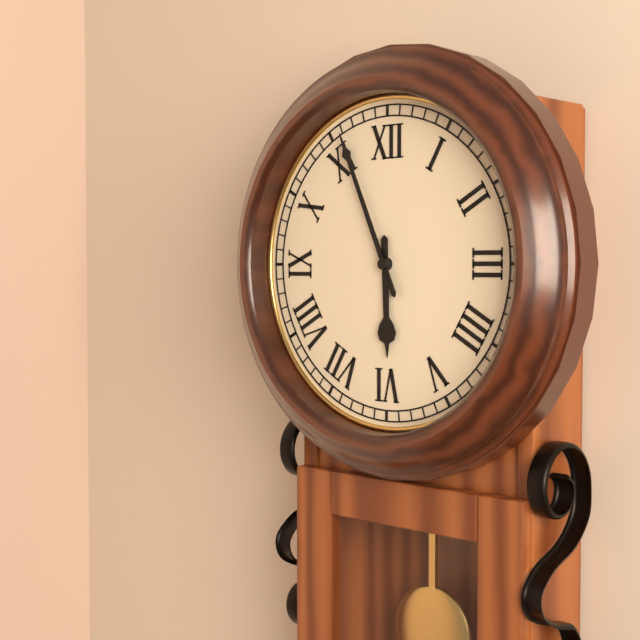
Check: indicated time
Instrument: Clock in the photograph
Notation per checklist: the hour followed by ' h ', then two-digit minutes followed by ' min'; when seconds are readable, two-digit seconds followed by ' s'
5 h 56 min
